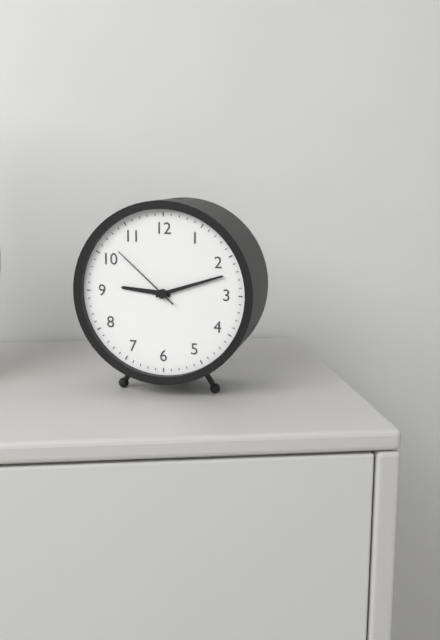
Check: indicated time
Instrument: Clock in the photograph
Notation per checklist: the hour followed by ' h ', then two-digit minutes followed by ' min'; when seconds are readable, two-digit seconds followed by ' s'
9 h 12 min 52 s
